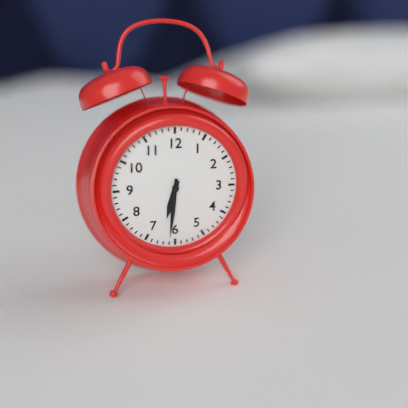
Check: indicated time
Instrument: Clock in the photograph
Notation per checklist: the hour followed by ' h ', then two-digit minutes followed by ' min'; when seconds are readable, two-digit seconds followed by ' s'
6 h 31 min
